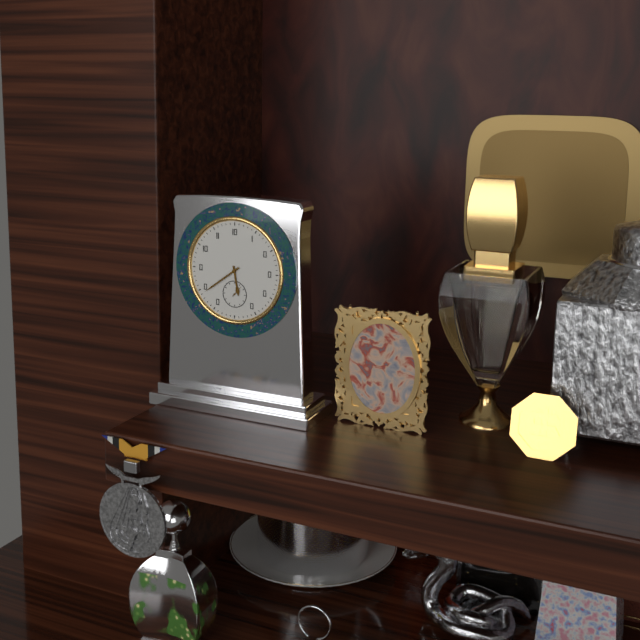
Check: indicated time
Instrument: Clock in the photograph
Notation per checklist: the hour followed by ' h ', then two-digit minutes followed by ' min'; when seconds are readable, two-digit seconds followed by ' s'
5 h 39 min
